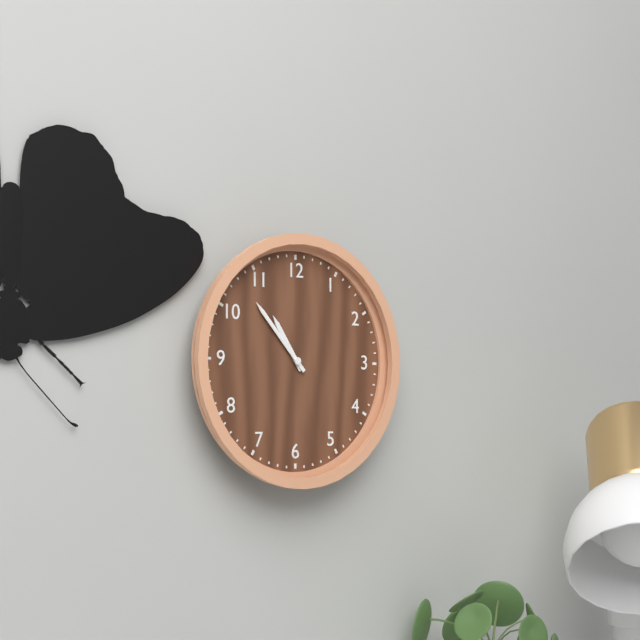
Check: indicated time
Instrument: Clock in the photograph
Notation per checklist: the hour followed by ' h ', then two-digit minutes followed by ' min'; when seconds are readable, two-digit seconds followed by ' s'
10 h 53 min
